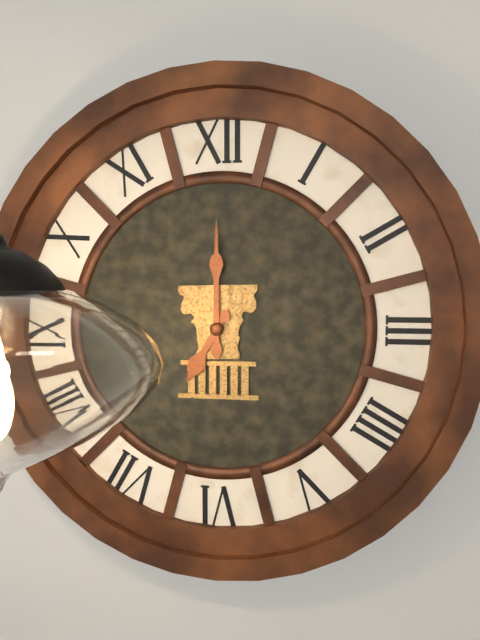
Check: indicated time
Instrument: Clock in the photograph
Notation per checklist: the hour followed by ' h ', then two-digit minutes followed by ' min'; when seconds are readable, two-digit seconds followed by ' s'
7 h 00 min
